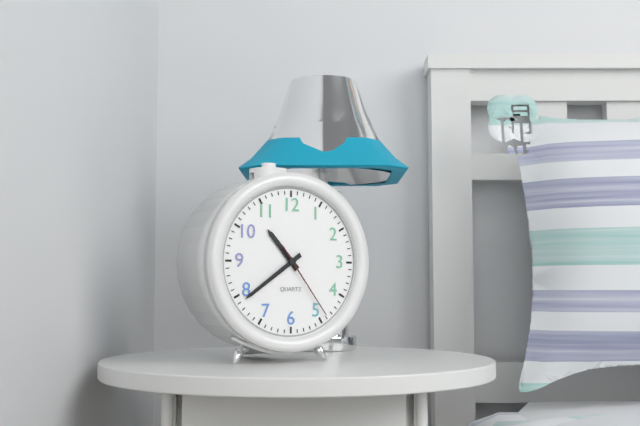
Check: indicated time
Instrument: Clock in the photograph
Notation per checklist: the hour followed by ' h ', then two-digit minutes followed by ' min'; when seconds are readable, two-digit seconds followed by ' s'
10 h 39 min 24 s
